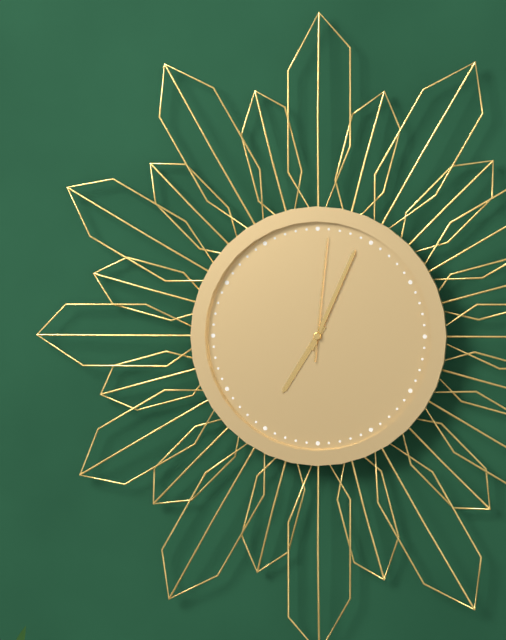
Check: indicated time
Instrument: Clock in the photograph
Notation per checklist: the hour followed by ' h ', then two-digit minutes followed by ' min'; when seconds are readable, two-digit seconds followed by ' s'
7 h 04 min 01 s
